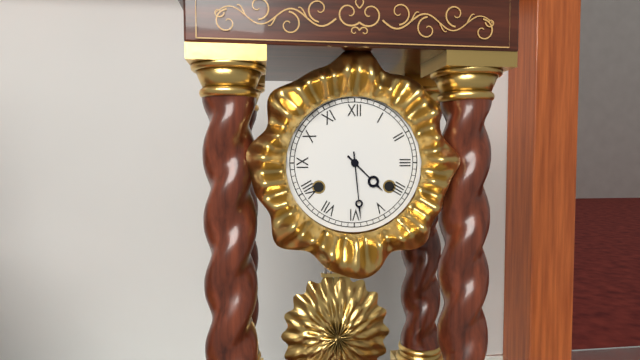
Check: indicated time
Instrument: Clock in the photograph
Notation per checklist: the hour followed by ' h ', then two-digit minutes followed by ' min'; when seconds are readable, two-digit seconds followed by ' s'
4 h 29 min
